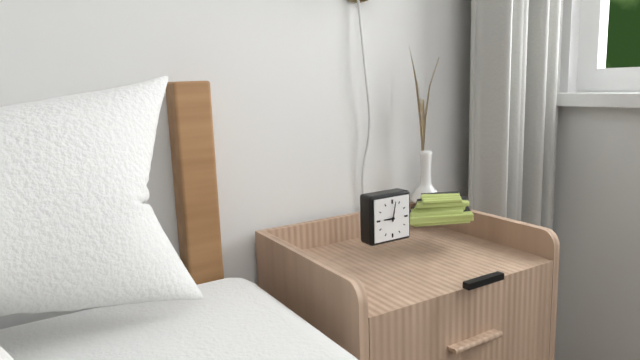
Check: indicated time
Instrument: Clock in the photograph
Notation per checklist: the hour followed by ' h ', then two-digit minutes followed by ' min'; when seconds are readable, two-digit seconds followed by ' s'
9 h 02 min
